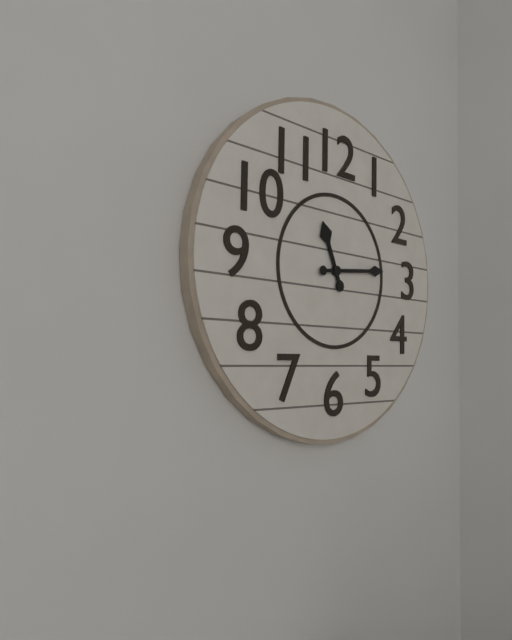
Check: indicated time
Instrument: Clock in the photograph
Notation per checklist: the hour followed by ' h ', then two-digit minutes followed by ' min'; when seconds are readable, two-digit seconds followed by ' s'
11 h 14 min
